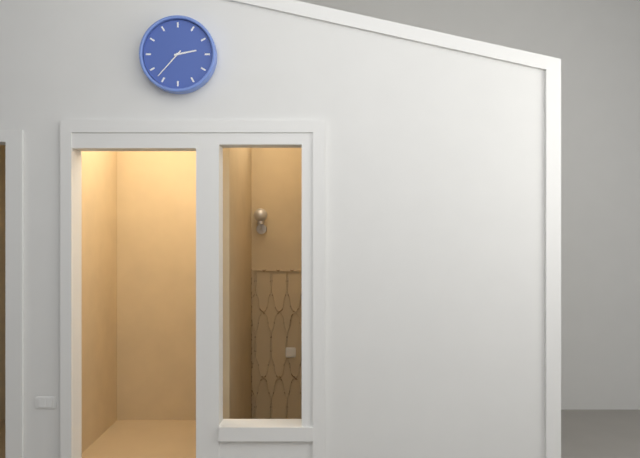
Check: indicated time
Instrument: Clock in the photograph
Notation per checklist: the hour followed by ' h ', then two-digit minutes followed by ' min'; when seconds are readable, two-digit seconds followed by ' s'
2 h 37 min
